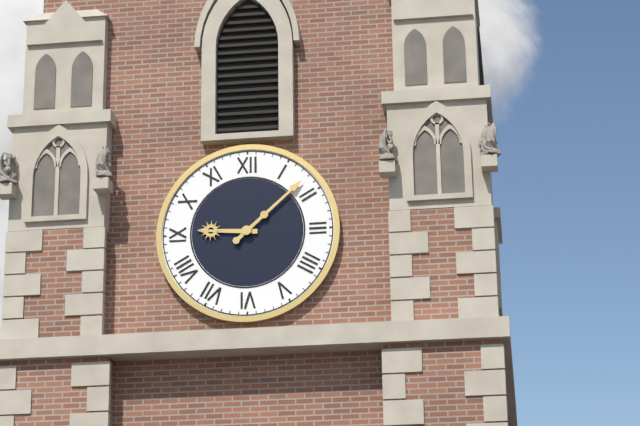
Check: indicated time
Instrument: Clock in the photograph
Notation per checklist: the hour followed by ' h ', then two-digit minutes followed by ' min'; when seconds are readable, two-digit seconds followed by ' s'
9 h 08 min
